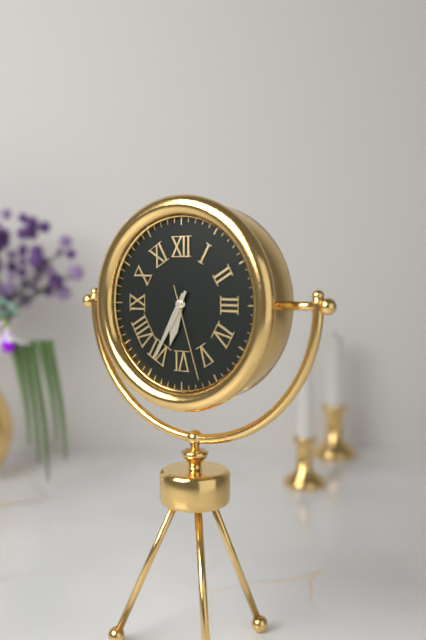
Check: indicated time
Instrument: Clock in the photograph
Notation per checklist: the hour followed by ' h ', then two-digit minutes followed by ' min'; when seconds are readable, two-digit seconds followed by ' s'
6 h 35 min 27 s
